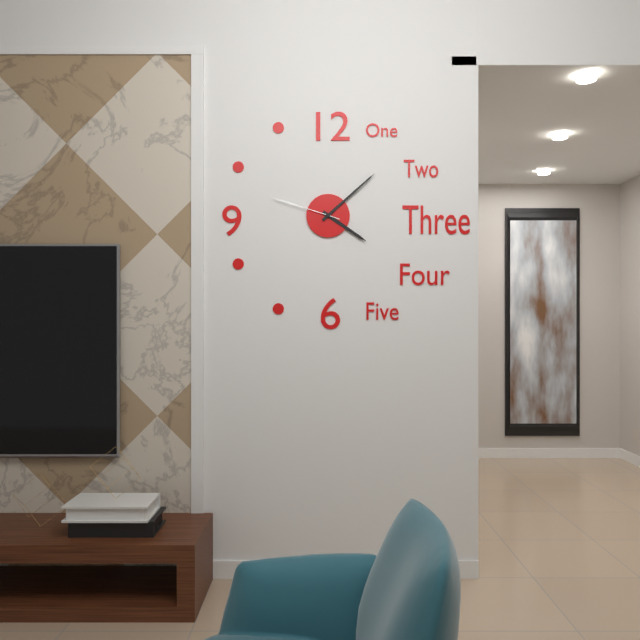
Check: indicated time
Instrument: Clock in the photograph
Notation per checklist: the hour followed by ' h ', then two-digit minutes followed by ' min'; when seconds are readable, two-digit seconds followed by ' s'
4 h 08 min 48 s
